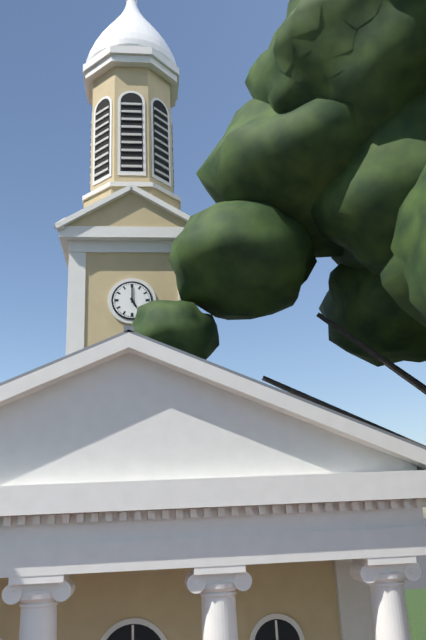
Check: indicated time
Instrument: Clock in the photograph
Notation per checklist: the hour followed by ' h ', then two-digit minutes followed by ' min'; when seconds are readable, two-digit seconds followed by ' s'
5 h 00 min
